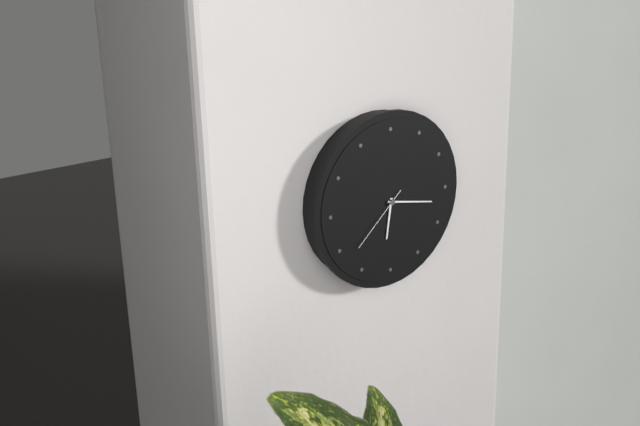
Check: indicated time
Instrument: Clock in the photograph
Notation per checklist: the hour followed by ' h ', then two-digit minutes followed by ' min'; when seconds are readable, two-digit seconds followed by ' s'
6 h 17 min 38 s
